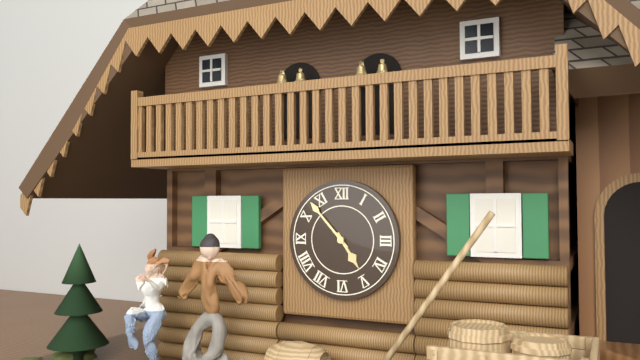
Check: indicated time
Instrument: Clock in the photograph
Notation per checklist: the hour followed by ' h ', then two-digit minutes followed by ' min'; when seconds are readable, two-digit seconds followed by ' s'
4 h 53 min
